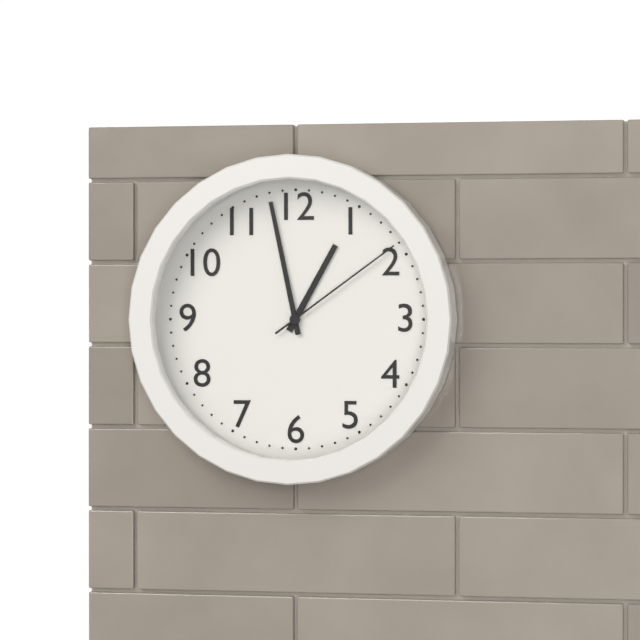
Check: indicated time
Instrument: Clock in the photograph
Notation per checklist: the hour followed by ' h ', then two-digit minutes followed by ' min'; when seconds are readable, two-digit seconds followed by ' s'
12 h 58 min 09 s
